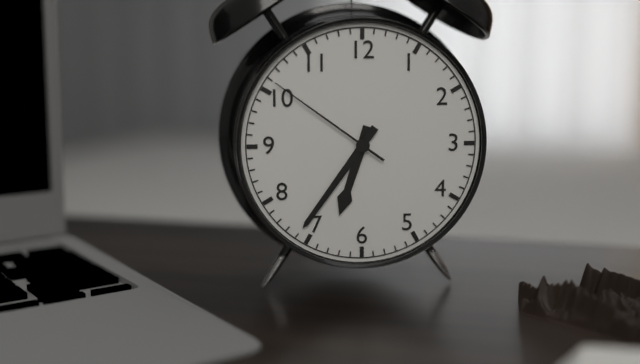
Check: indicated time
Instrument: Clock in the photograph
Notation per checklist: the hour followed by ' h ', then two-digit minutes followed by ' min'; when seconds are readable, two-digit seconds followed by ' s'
6 h 36 min 51 s
